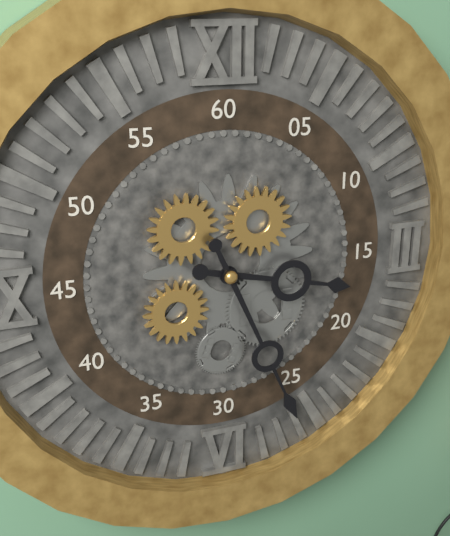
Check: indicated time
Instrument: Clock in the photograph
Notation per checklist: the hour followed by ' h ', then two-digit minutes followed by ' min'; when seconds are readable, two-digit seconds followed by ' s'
3 h 26 min
